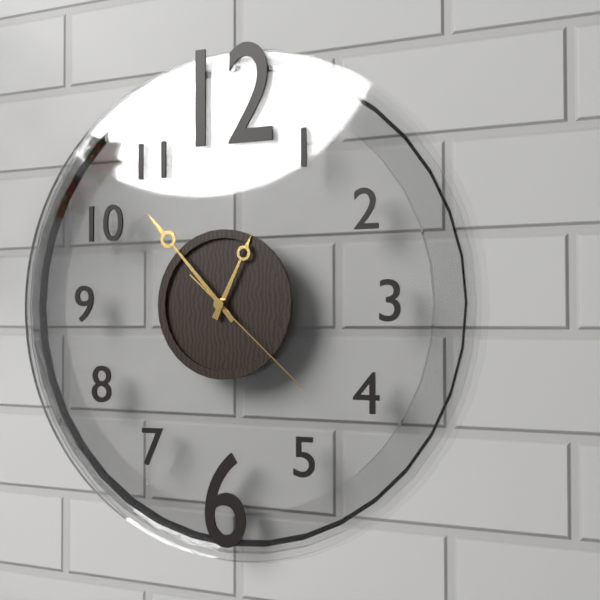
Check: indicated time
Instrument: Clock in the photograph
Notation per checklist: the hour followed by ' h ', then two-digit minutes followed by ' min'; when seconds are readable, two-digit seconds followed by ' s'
12 h 53 min 22 s
